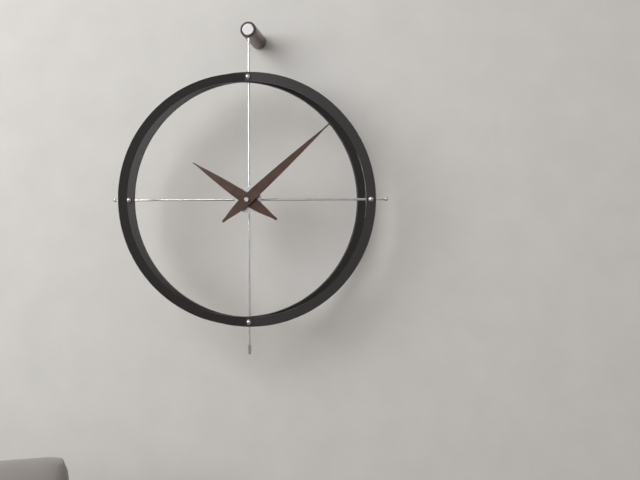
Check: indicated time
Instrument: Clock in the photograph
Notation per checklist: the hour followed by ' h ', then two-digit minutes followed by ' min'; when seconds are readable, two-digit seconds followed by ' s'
10 h 08 min
